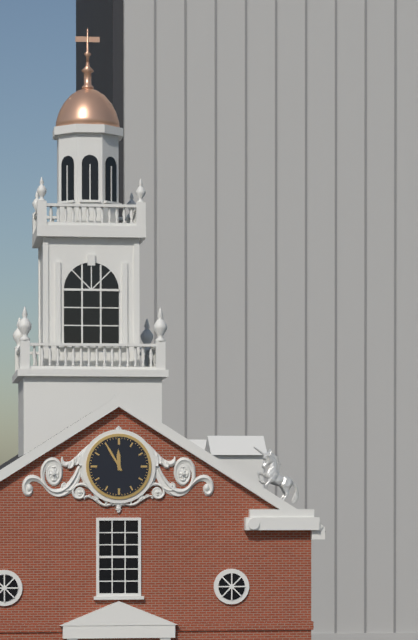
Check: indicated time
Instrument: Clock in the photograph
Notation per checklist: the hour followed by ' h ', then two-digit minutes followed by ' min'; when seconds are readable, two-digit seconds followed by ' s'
11 h 55 min
